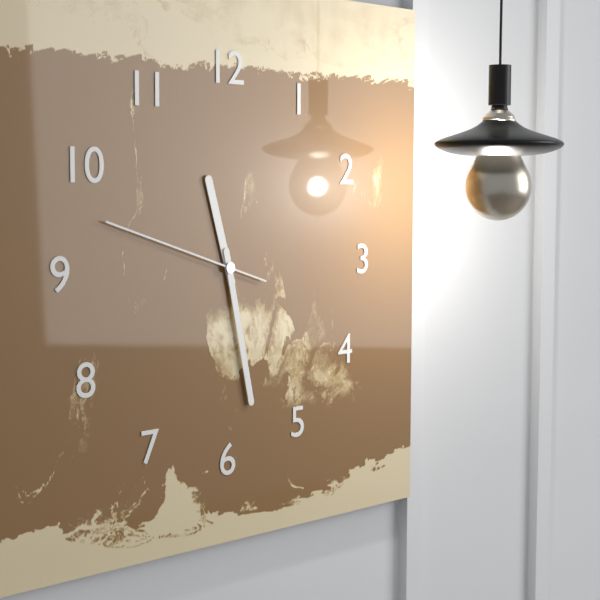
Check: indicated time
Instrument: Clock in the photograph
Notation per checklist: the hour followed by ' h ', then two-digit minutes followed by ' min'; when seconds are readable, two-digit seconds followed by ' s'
11 h 28 min 48 s
